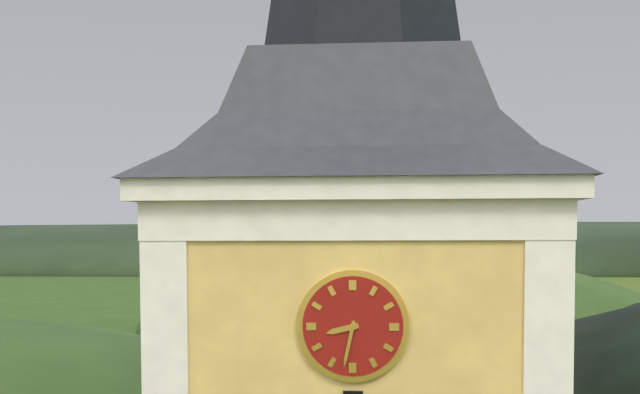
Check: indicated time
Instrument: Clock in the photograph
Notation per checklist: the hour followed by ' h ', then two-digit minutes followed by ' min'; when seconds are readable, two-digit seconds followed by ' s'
8 h 32 min
